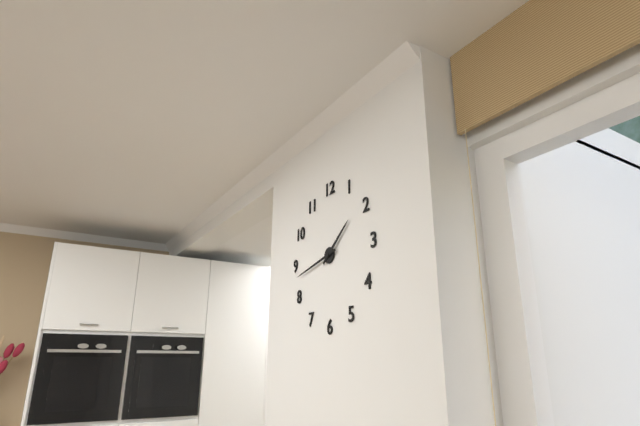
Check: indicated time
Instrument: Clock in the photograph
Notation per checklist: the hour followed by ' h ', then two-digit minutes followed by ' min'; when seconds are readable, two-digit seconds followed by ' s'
1 h 43 min
